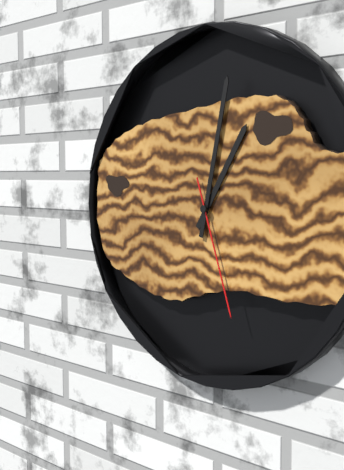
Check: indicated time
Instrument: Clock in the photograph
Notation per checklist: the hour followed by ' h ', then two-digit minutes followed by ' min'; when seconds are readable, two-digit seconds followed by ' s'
1 h 02 min 27 s
